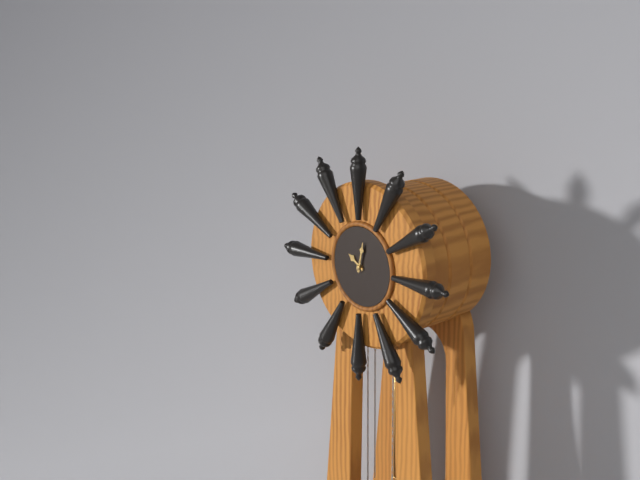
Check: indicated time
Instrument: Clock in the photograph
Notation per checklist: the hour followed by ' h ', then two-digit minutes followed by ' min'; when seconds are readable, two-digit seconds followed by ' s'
10 h 02 min
